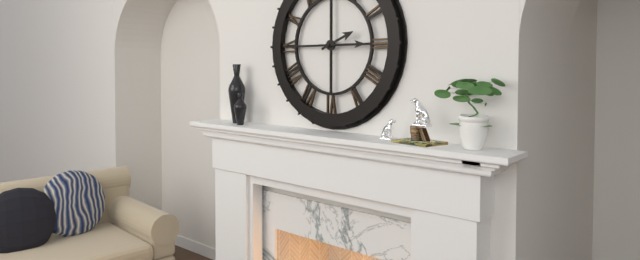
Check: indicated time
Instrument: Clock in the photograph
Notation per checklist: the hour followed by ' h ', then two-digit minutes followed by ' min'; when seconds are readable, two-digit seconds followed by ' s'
2 h 15 min
